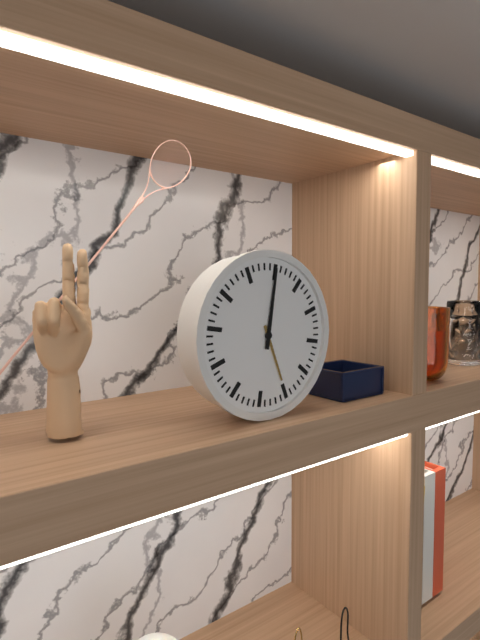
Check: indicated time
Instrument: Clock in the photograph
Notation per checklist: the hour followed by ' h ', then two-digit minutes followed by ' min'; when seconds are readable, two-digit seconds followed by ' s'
5 h 00 min
